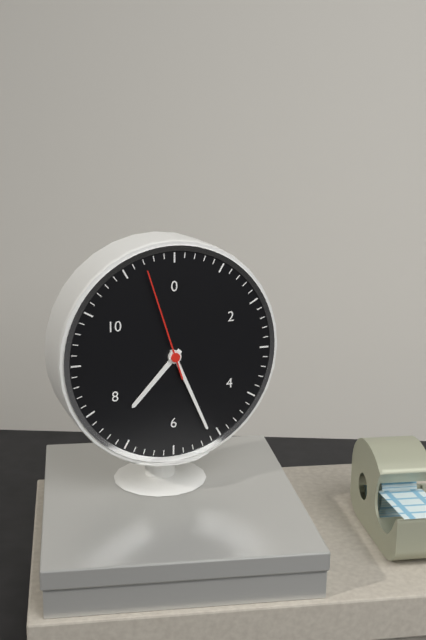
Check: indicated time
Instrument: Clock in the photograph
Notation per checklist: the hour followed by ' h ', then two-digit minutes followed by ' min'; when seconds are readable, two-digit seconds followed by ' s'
7 h 26 min 57 s
